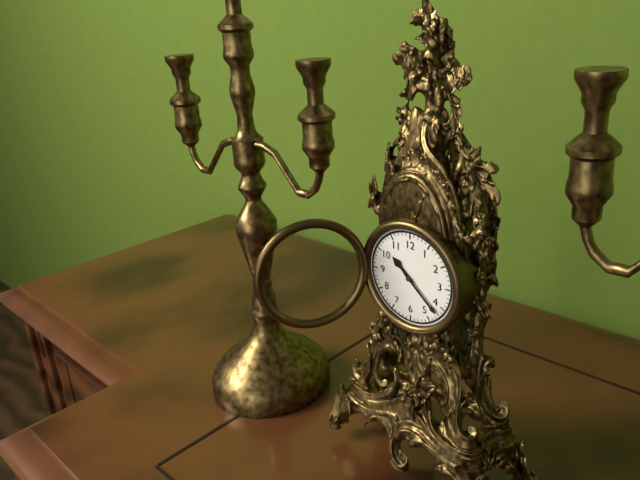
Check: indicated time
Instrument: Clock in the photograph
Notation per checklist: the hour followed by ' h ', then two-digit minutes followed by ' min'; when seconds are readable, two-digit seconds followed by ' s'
10 h 22 min
